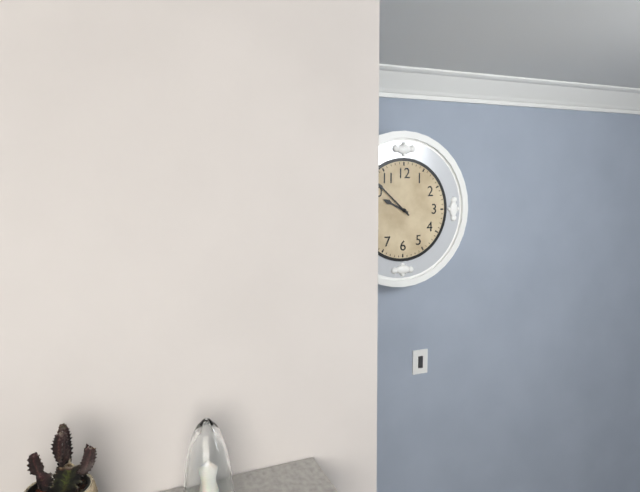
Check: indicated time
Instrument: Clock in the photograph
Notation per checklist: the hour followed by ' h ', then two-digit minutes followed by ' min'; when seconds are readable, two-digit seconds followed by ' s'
9 h 52 min
